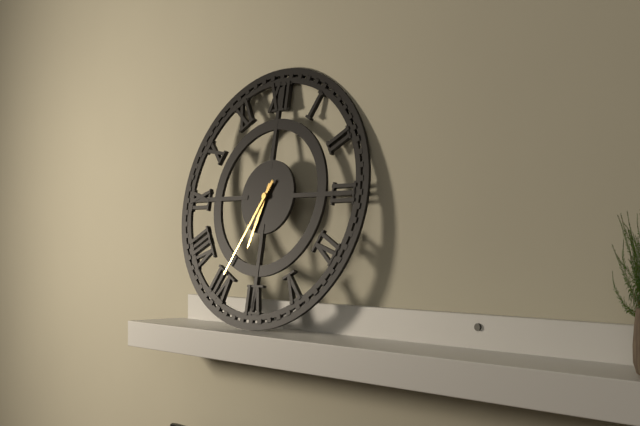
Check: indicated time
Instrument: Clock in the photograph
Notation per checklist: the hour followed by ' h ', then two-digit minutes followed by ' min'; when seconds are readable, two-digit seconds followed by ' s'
6 h 35 min
